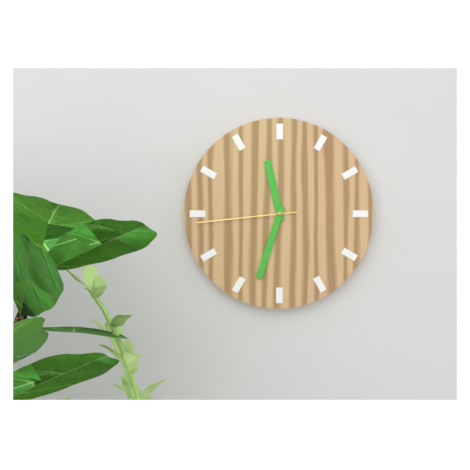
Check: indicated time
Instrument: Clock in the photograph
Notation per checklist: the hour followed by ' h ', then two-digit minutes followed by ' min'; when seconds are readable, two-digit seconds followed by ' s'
11 h 33 min 44 s
